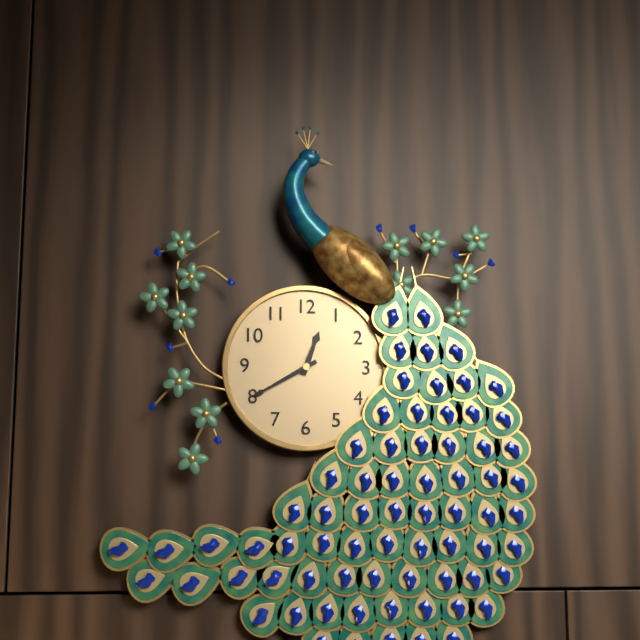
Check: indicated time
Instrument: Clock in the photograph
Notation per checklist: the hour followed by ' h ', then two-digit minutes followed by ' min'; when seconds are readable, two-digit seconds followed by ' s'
12 h 40 min
